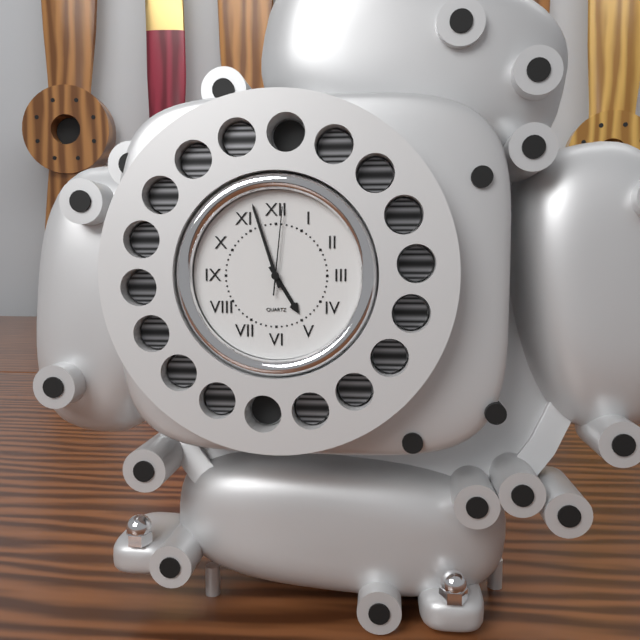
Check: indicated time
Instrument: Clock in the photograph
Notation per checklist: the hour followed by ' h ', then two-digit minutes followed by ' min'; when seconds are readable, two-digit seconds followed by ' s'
4 h 57 min 01 s
